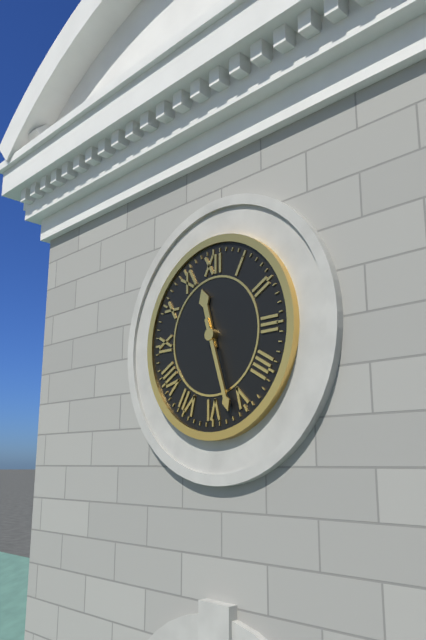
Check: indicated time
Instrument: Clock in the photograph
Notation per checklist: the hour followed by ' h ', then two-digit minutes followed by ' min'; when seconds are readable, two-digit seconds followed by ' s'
11 h 27 min
